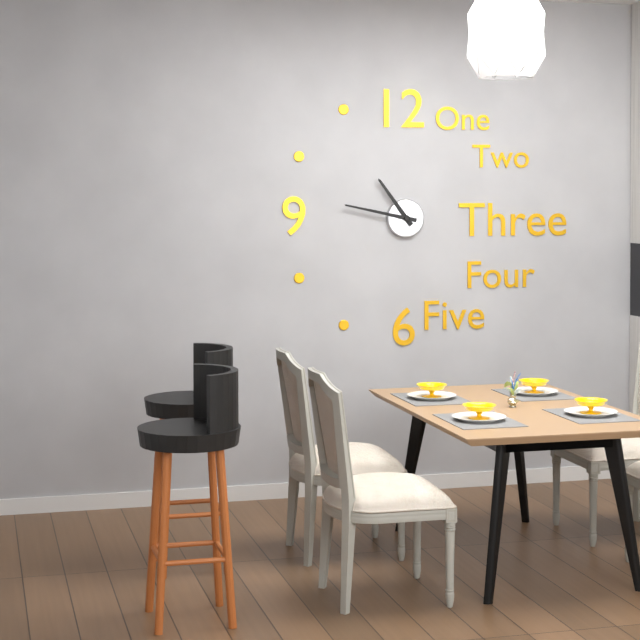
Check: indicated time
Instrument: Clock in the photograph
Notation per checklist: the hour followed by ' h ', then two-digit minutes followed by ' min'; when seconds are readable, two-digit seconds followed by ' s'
10 h 47 min
